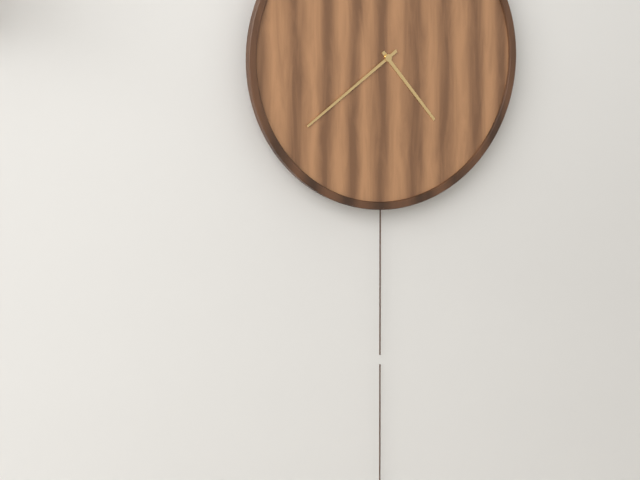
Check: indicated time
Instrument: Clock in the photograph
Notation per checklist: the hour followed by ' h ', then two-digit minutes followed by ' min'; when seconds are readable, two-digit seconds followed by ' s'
4 h 39 min
